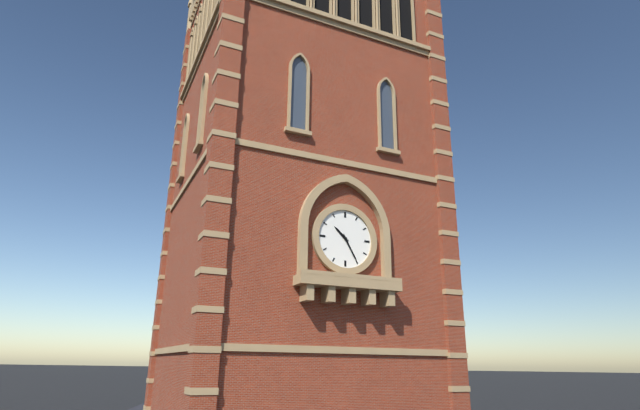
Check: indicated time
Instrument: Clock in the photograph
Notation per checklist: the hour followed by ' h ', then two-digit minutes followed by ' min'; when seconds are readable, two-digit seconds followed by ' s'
10 h 25 min
